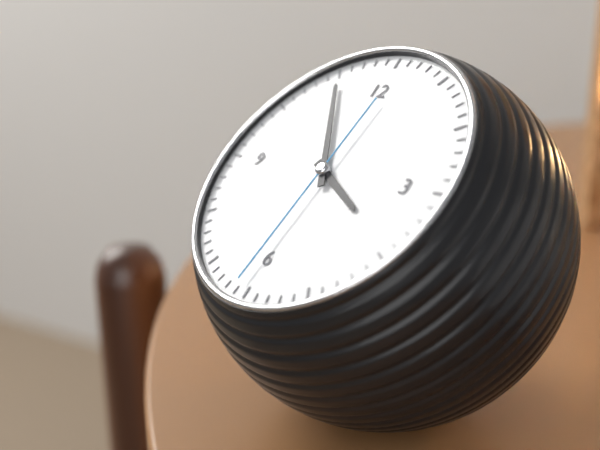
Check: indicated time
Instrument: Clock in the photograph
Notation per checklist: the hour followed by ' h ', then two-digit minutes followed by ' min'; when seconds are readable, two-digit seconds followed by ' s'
3 h 55 min 31 s
